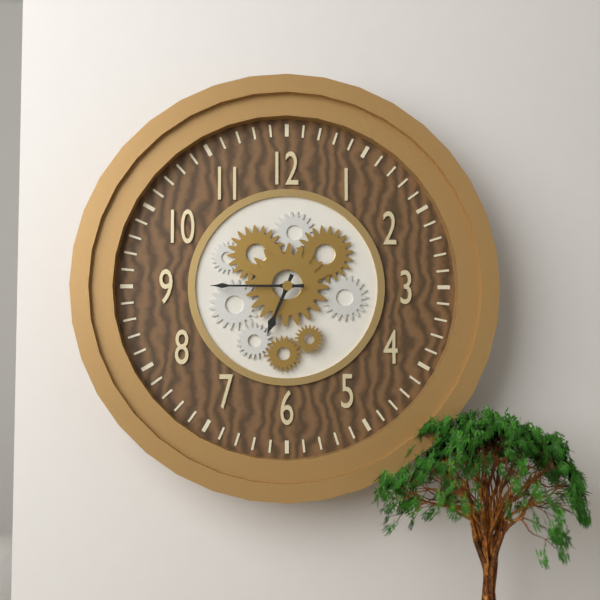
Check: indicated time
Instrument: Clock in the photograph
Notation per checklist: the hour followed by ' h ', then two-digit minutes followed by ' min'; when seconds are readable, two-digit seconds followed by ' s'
6 h 45 min
